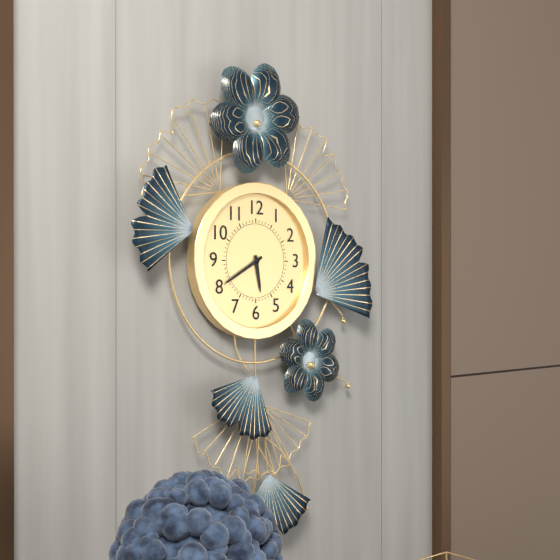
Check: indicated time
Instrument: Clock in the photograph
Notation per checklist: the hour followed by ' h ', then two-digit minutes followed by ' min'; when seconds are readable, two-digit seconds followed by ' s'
5 h 40 min
